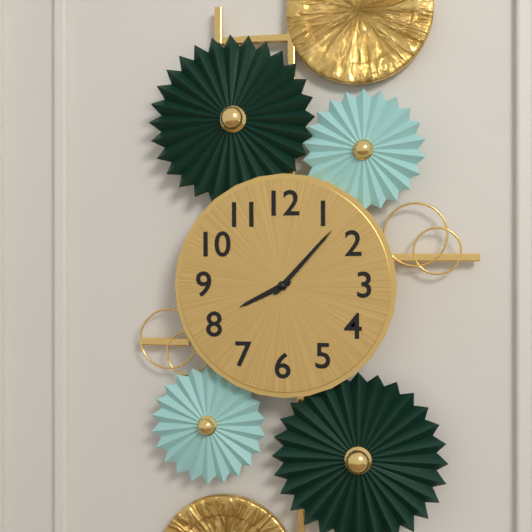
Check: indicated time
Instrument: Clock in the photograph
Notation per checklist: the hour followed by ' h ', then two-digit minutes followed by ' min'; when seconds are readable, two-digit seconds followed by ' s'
8 h 07 min
